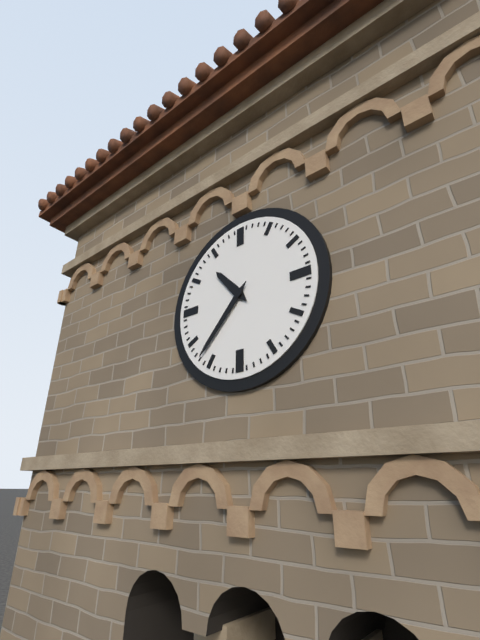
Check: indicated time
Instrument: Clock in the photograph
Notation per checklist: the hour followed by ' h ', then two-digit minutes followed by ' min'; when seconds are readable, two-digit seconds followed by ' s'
10 h 37 min
